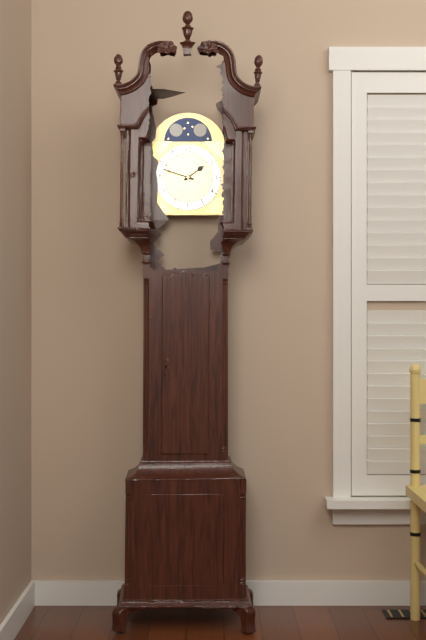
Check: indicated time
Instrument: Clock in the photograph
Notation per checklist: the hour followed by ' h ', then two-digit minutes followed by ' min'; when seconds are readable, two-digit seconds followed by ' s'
1 h 48 min
